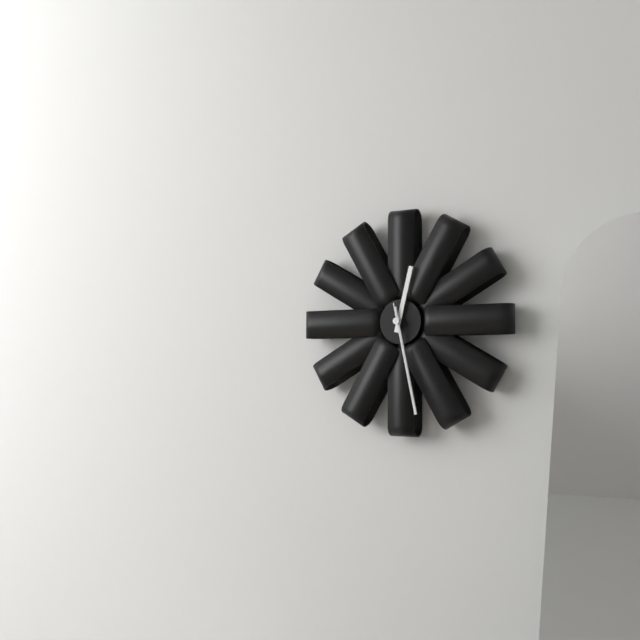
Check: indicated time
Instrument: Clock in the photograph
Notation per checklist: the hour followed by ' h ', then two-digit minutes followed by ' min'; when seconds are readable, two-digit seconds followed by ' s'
12 h 28 min 28 s
